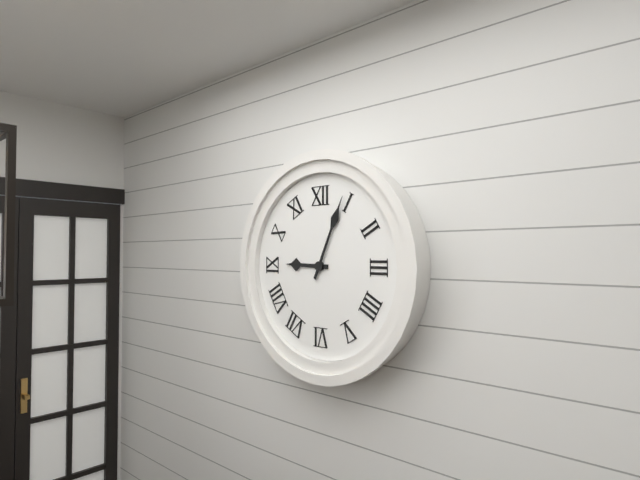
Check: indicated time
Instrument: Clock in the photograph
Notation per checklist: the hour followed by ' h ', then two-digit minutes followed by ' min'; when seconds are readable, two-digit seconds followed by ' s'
9 h 04 min
